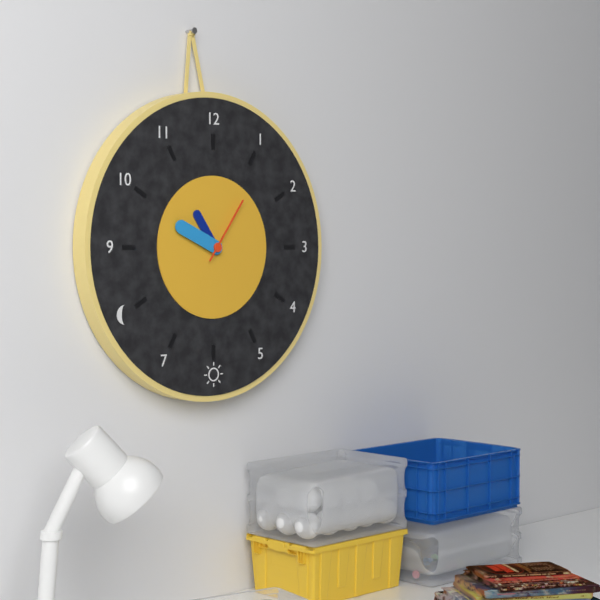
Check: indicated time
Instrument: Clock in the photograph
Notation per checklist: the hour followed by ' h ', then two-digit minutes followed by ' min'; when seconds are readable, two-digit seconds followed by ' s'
10 h 49 min 06 s
